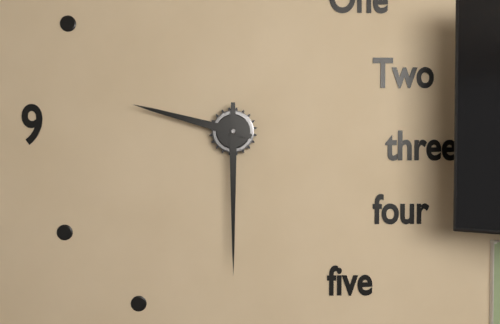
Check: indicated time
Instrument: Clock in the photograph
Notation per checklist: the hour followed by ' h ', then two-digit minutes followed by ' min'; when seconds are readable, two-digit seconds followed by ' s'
9 h 30 min
